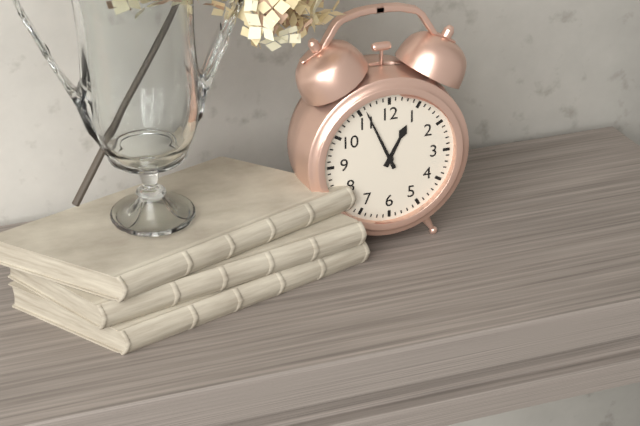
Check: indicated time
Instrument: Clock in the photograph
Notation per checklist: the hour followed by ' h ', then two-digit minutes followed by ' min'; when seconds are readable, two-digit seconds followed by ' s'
12 h 56 min
